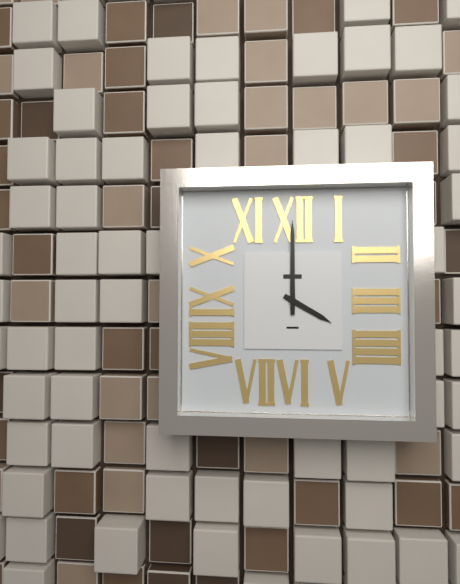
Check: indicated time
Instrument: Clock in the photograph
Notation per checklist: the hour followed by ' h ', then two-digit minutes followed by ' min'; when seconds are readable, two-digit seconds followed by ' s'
4 h 00 min
